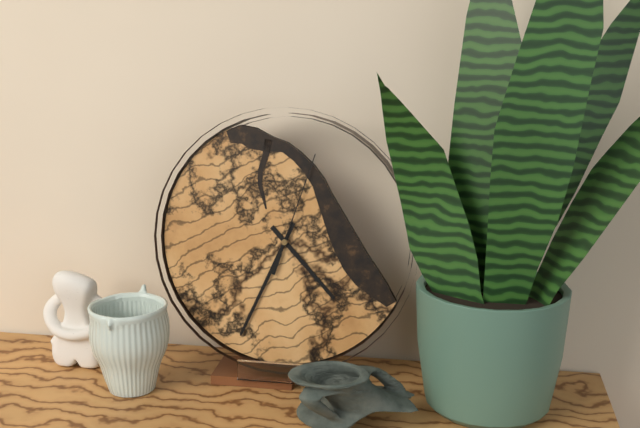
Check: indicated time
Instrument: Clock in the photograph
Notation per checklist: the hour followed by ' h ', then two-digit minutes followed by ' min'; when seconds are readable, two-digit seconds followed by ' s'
4 h 34 min 03 s
